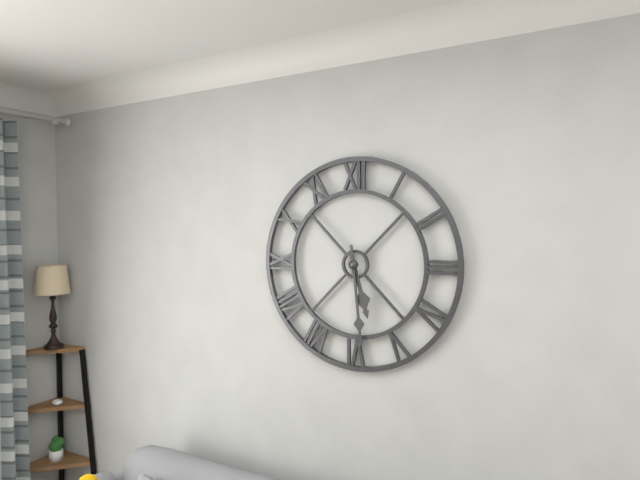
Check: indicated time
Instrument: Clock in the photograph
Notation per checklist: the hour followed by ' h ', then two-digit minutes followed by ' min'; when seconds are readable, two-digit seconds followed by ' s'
5 h 29 min
